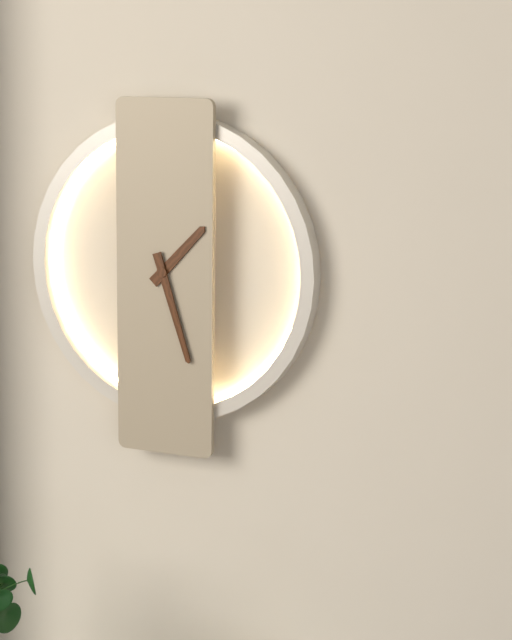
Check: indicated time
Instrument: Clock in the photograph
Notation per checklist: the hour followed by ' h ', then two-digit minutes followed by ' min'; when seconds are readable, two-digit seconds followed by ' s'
1 h 27 min
